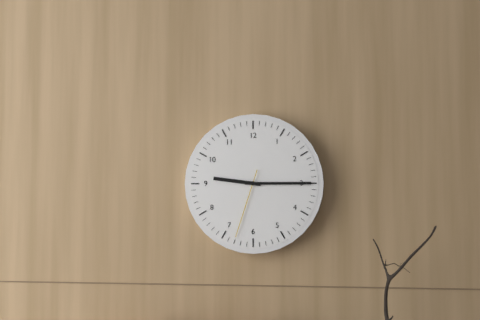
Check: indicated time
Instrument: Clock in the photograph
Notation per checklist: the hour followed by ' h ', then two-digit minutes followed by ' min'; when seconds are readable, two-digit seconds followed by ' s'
9 h 15 min 33 s
